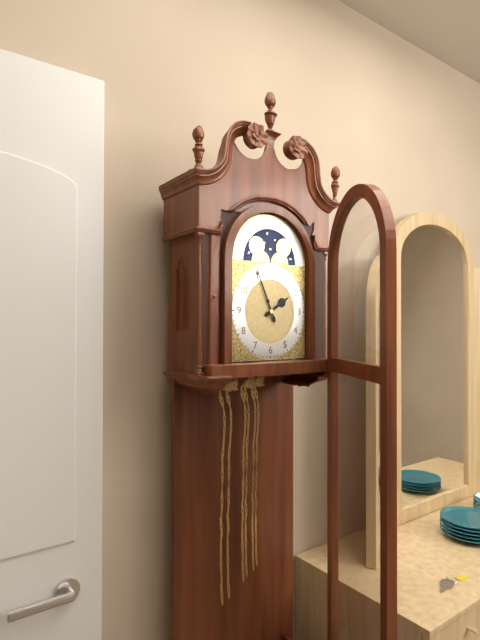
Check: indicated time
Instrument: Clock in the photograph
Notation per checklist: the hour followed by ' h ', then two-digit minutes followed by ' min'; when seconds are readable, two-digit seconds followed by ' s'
1 h 56 min
